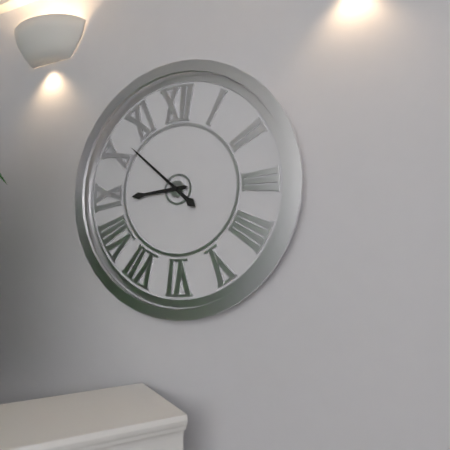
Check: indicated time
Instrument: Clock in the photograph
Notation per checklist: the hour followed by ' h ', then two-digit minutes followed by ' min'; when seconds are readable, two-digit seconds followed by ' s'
8 h 52 min
